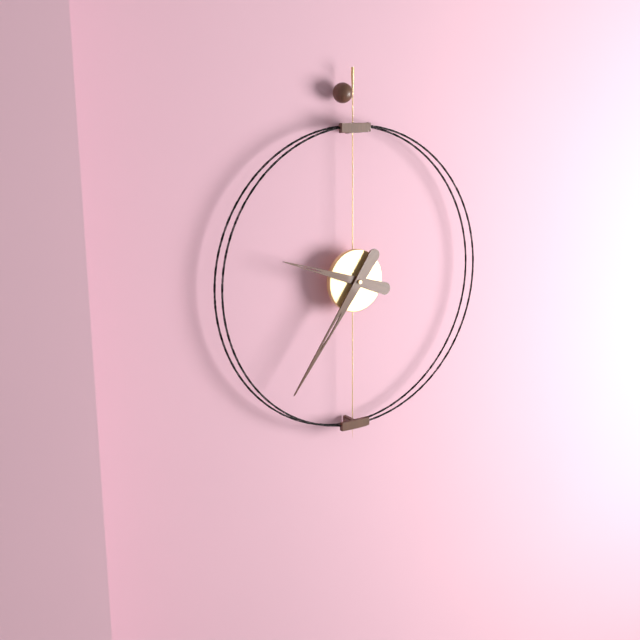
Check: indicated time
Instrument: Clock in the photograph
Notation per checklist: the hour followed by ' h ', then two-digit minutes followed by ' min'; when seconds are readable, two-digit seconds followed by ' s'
9 h 36 min
